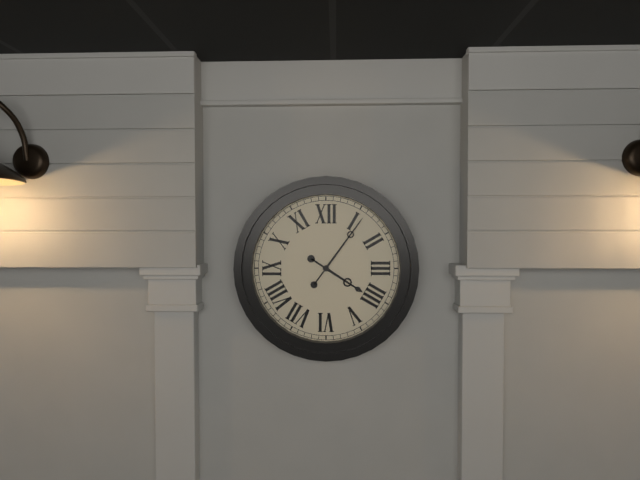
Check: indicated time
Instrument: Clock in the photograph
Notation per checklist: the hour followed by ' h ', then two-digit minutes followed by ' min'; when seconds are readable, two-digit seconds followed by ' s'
4 h 06 min
